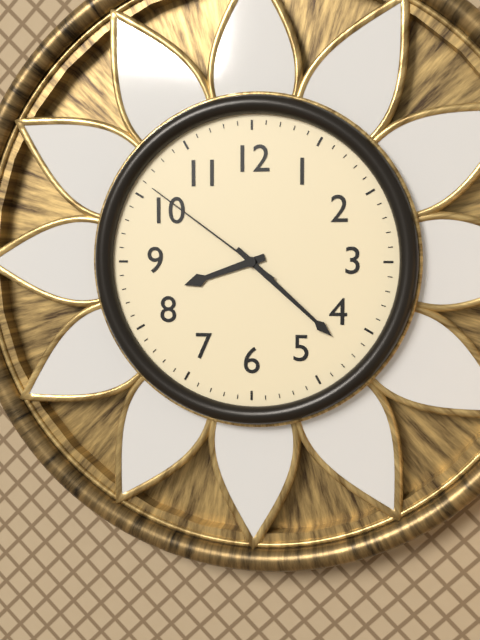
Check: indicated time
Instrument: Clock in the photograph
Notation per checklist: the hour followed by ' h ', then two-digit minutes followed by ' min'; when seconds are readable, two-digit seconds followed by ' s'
8 h 22 min 51 s
